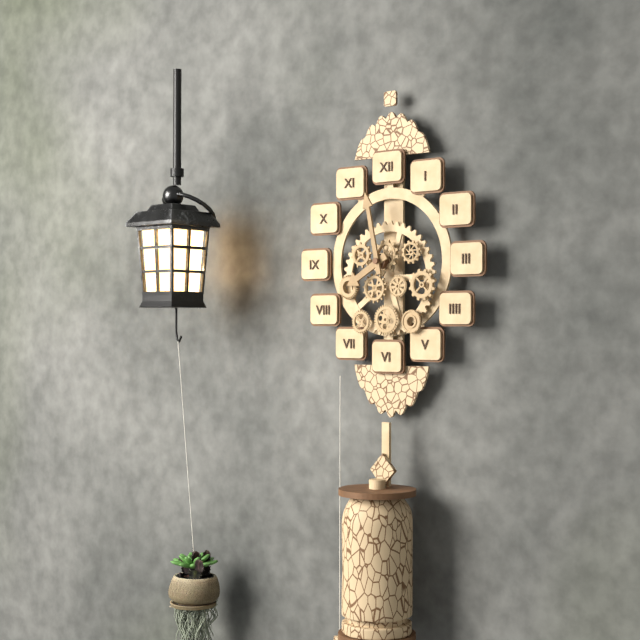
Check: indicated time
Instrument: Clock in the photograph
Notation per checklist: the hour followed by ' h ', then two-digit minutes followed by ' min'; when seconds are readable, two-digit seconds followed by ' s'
7 h 58 min
